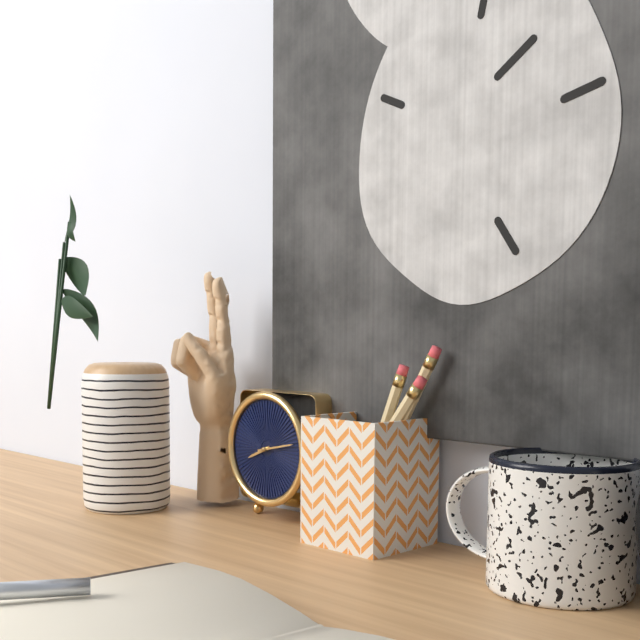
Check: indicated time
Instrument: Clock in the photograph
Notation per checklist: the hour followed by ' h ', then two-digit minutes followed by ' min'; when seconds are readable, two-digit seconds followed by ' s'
8 h 13 min
